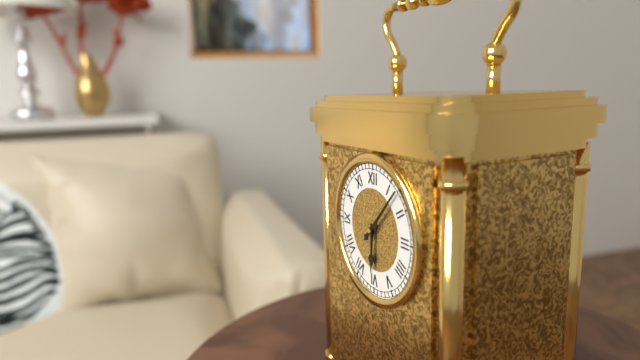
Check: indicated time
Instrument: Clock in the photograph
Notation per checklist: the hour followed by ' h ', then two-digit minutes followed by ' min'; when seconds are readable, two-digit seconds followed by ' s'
6 h 07 min
